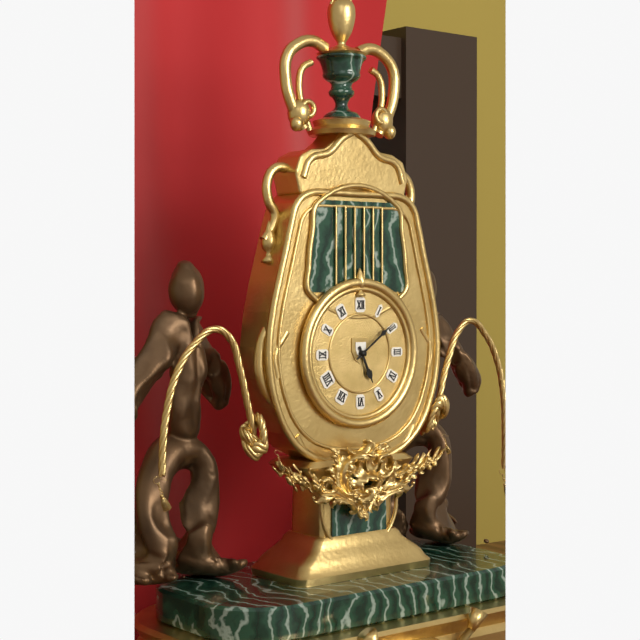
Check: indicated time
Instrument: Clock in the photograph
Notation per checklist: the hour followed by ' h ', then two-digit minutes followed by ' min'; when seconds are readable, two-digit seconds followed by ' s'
5 h 09 min
